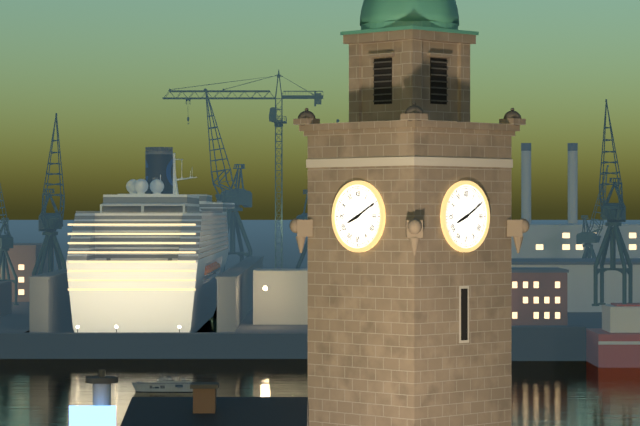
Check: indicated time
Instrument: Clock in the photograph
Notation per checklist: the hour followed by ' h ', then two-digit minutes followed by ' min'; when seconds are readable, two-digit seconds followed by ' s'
8 h 10 min
